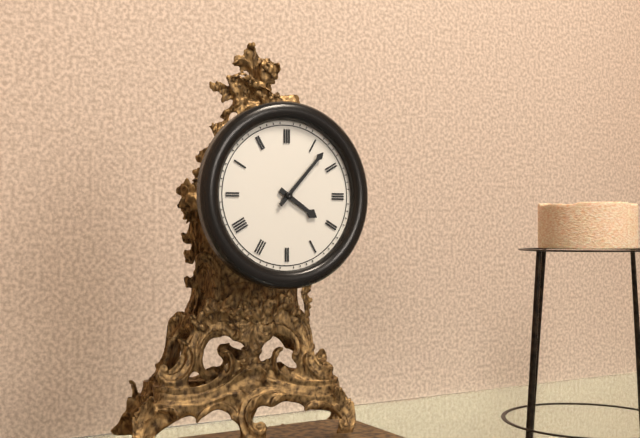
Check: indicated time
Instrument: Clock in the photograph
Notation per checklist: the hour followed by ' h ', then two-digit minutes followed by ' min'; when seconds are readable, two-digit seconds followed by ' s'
4 h 07 min
